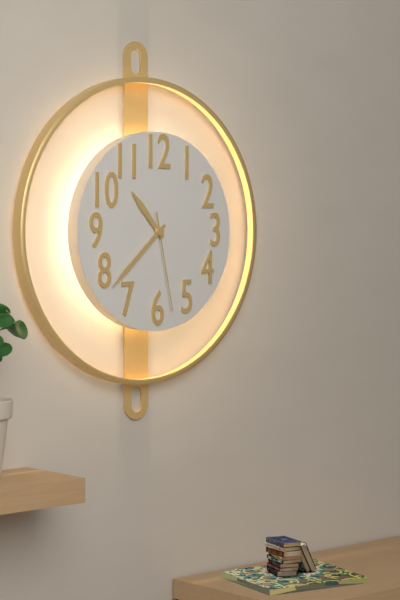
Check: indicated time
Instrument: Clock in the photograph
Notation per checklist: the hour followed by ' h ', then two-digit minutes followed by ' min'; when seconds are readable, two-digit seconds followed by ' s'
10 h 38 min 28 s
